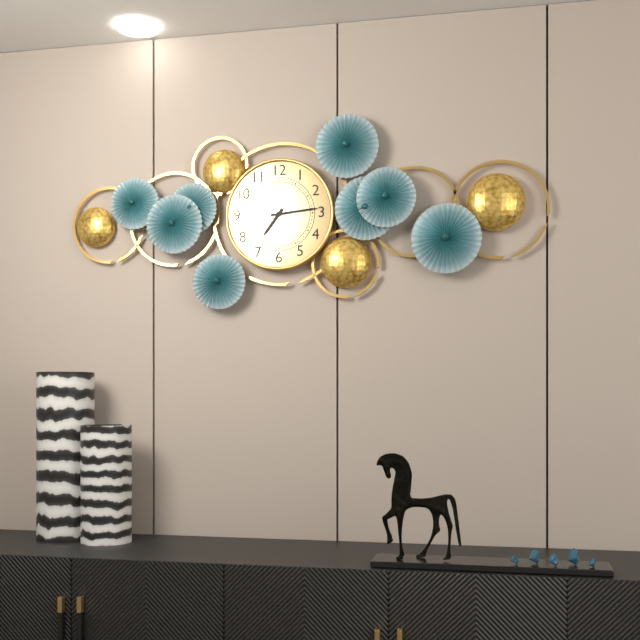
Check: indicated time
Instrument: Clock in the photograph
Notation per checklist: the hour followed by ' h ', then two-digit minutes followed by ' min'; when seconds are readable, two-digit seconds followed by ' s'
7 h 14 min
